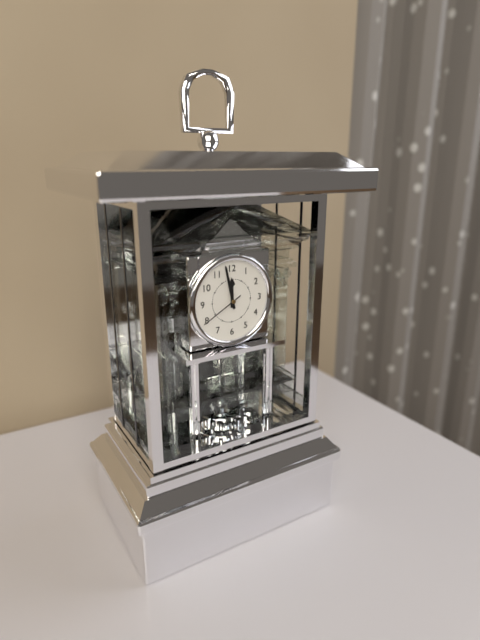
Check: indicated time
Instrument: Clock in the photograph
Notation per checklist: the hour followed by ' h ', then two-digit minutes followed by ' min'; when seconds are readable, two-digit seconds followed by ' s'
11 h 58 min
